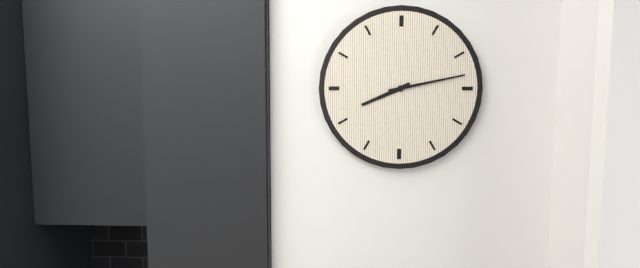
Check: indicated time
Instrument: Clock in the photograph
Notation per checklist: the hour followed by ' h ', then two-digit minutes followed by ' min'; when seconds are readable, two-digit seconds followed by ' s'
8 h 13 min
